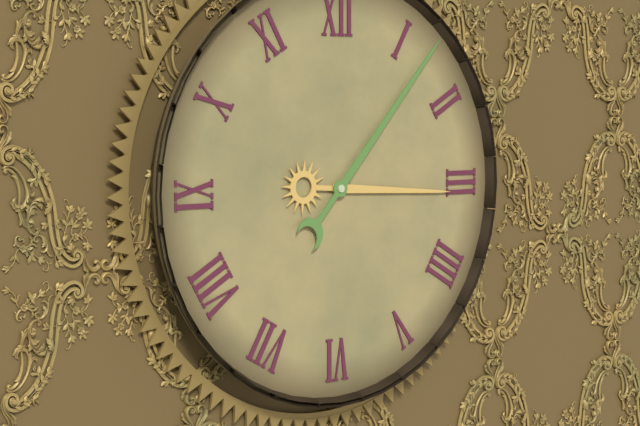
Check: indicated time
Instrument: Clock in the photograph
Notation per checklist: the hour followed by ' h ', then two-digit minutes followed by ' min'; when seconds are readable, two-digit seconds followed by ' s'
3 h 07 min
